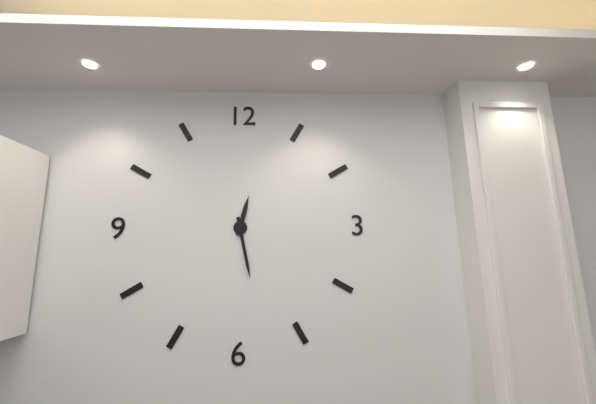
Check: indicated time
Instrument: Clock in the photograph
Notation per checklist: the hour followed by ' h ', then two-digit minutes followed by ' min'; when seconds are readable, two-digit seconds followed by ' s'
12 h 28 min
